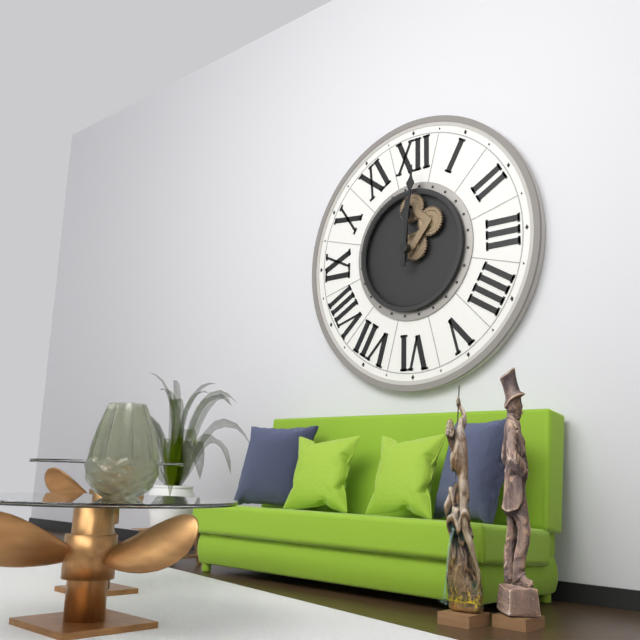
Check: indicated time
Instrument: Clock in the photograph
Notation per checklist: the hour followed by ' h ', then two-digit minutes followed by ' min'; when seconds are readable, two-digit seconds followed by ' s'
12 h 01 min
